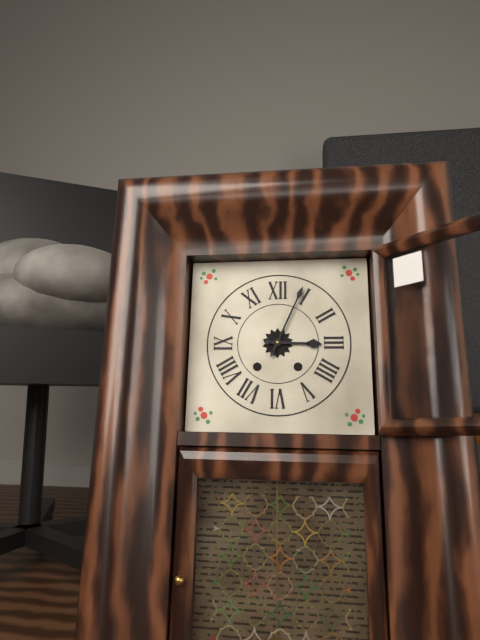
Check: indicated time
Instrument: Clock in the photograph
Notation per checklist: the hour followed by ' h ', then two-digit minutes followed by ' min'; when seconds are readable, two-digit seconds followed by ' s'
3 h 04 min
